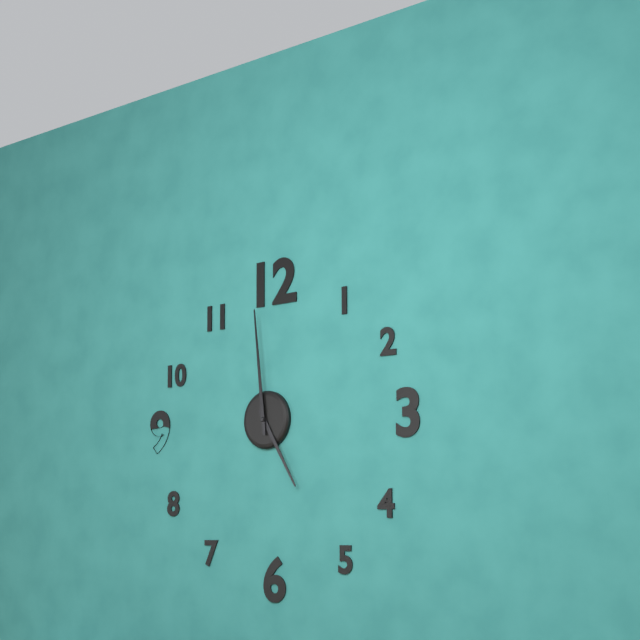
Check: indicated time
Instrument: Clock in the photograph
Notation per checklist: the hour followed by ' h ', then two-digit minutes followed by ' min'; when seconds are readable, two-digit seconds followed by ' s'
4 h 59 min
